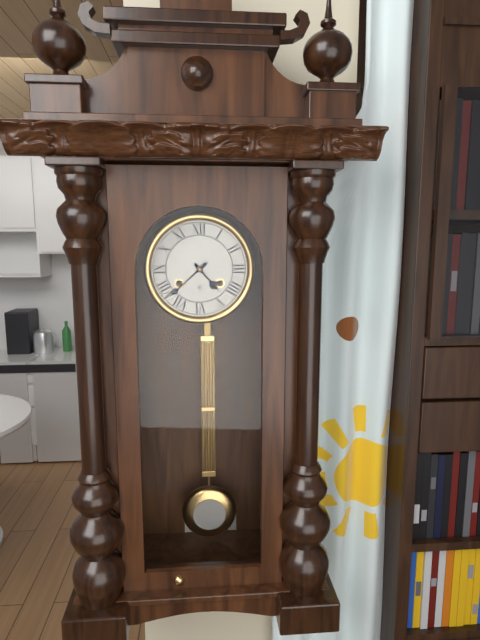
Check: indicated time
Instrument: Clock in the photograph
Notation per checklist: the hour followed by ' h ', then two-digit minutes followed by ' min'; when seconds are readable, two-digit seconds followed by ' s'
4 h 38 min
